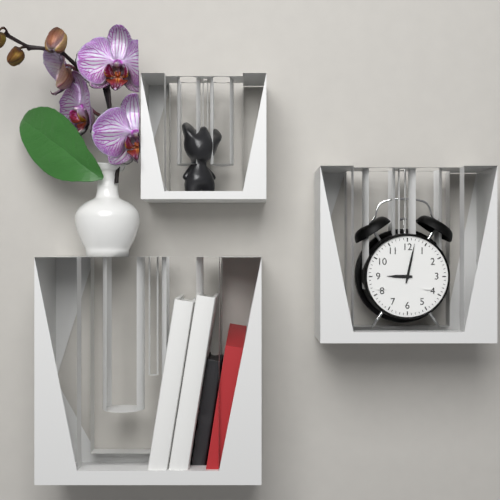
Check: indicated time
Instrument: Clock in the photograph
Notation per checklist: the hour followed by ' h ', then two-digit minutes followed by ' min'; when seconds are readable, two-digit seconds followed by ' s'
9 h 02 min
